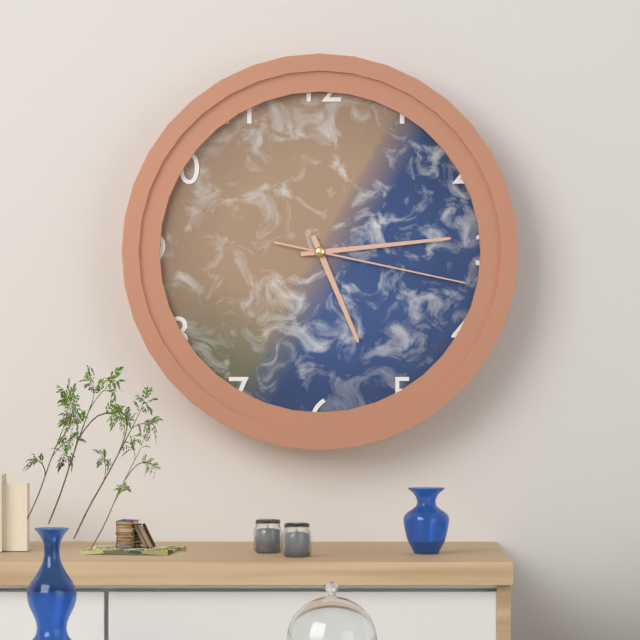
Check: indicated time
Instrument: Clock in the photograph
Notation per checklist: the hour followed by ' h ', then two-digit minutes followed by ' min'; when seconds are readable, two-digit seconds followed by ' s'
5 h 14 min 17 s
